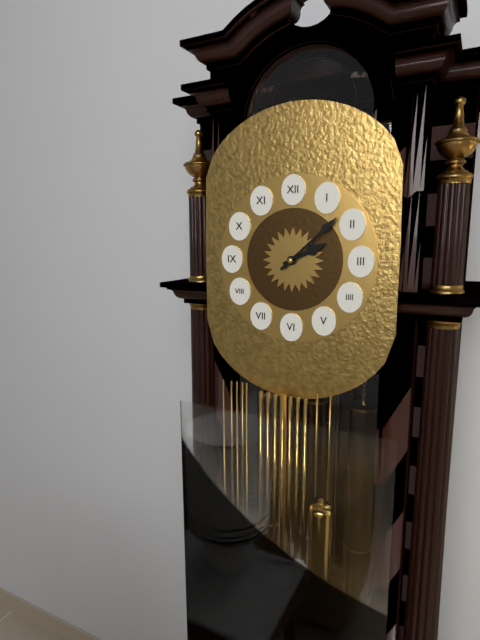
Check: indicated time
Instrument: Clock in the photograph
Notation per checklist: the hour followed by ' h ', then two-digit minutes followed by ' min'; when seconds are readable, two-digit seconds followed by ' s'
2 h 08 min
